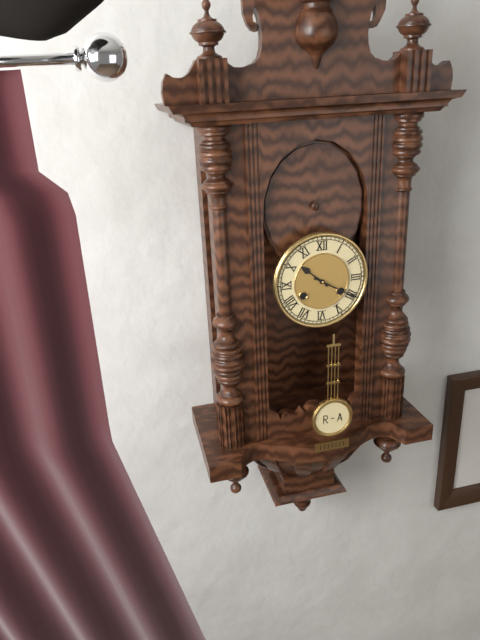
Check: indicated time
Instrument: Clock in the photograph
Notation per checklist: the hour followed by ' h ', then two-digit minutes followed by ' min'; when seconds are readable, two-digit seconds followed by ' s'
10 h 20 min
